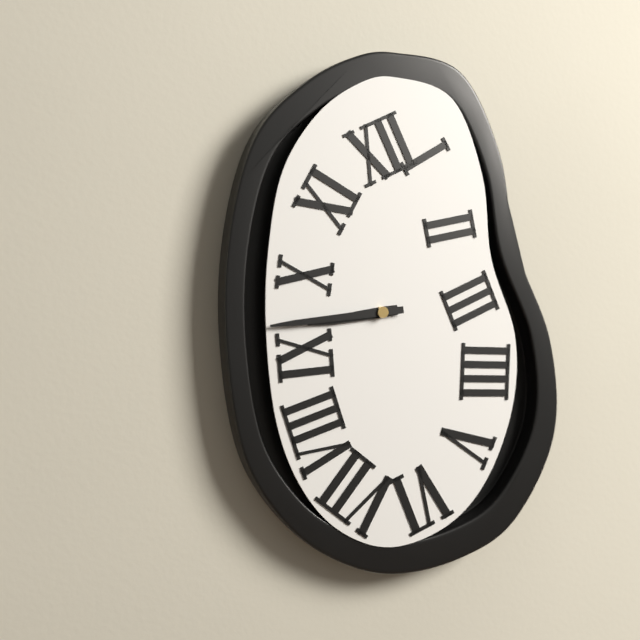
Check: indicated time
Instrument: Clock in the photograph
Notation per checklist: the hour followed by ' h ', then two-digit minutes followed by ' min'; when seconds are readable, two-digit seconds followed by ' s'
8 h 44 min
